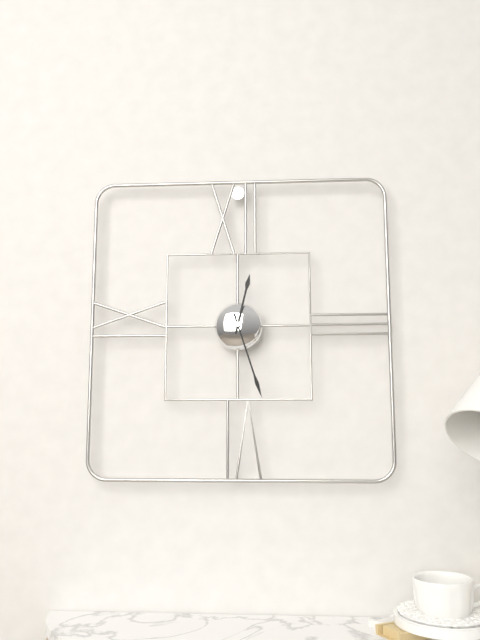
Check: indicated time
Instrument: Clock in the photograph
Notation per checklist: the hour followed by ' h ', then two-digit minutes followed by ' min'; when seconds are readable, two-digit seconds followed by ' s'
12 h 27 min
